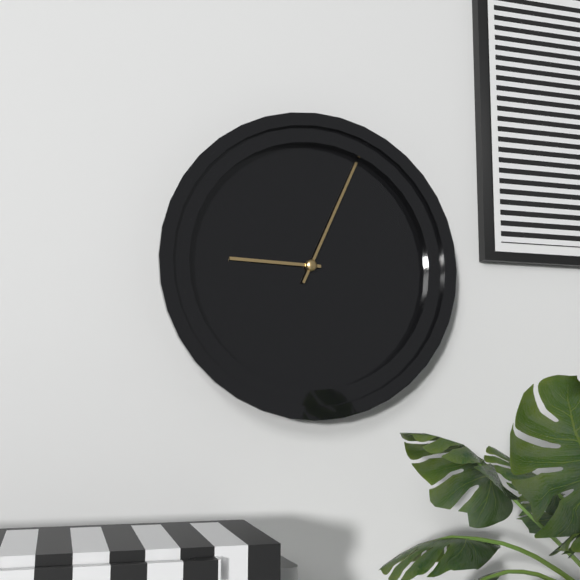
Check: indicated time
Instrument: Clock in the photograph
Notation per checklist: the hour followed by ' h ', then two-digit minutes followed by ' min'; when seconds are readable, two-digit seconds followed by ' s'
9 h 04 min
